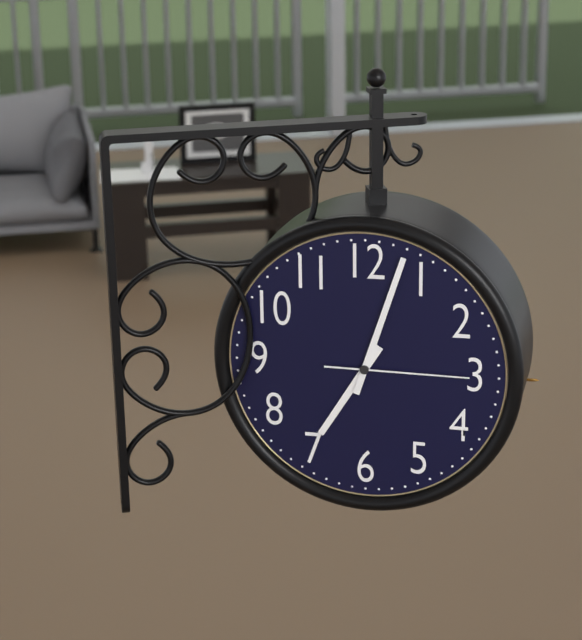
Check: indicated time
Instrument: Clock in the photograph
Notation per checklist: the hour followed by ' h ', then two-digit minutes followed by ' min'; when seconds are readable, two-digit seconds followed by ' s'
7 h 03 min 15 s
